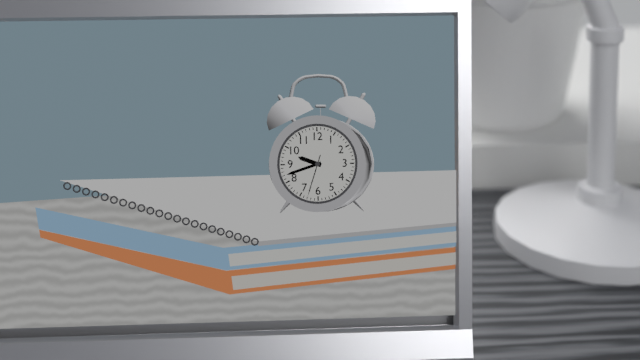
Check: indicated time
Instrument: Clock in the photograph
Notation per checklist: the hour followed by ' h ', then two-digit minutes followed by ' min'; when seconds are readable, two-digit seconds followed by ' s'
9 h 42 min
